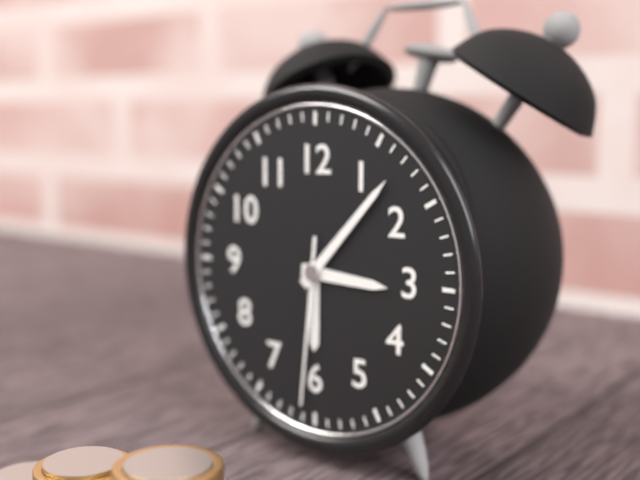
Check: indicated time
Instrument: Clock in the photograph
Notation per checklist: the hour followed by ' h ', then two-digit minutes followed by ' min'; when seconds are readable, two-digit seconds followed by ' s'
3 h 07 min 31 s
